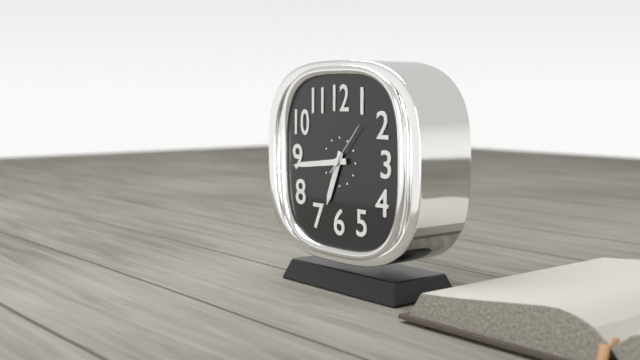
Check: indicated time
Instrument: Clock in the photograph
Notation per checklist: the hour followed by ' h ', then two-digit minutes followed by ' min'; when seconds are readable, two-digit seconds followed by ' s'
6 h 44 min 07 s
